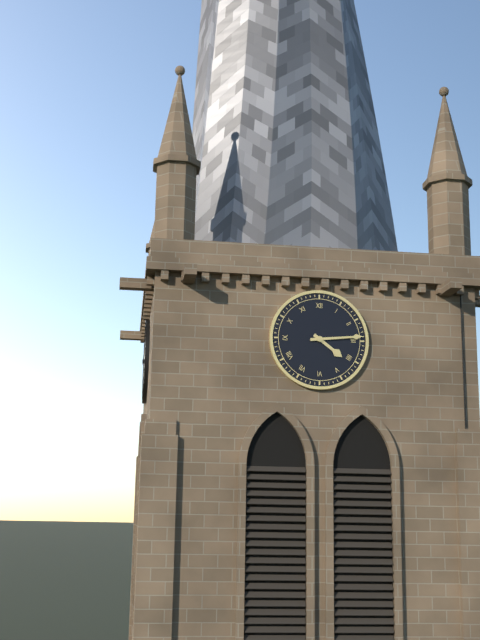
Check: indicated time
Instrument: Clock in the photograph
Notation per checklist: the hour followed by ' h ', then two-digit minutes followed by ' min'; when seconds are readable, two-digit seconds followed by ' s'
4 h 14 min
